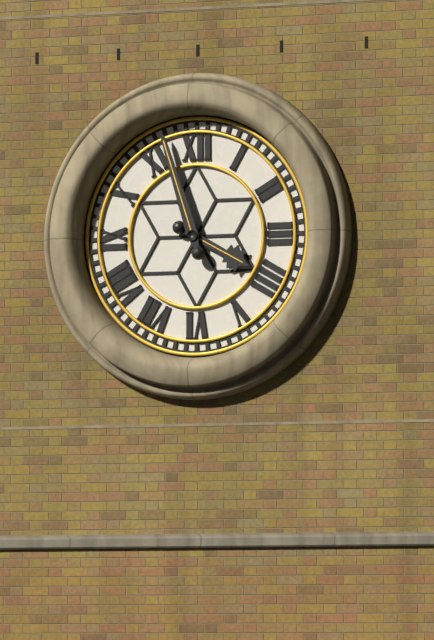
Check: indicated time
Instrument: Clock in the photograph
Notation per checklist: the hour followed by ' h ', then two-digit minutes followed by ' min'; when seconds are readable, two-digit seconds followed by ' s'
3 h 57 min
